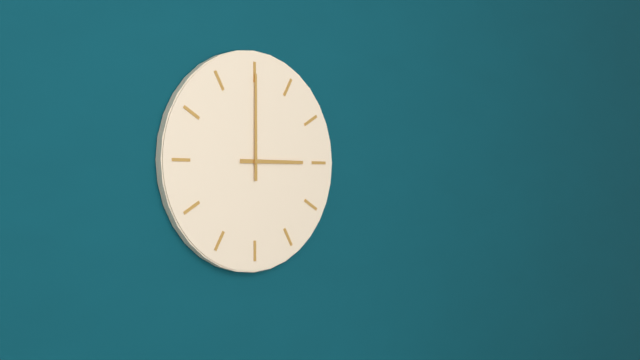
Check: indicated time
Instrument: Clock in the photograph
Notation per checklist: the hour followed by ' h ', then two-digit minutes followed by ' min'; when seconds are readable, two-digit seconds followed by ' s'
3 h 00 min
